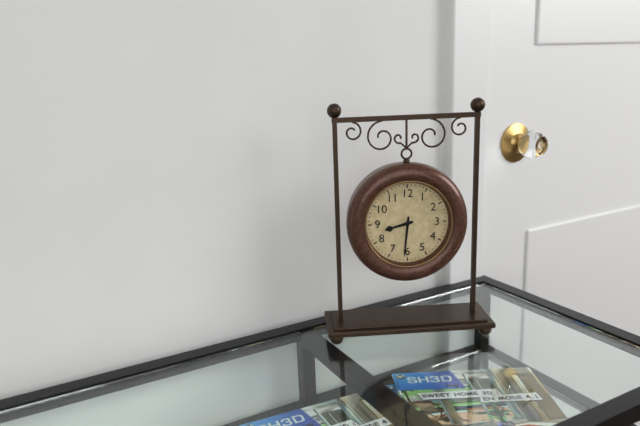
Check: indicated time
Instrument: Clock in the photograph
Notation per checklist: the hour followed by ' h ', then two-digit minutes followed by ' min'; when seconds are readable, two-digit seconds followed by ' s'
8 h 31 min
